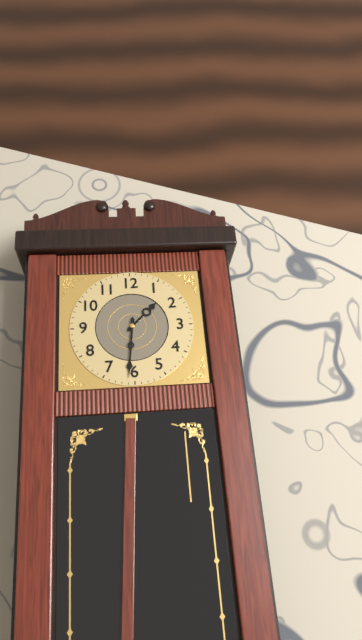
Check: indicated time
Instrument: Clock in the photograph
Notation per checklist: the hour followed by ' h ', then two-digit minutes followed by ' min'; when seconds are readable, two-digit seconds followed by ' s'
1 h 31 min
